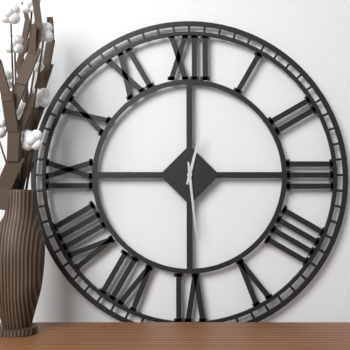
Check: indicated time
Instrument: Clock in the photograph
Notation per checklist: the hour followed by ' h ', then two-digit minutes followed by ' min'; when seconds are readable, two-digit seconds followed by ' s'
12 h 29 min
